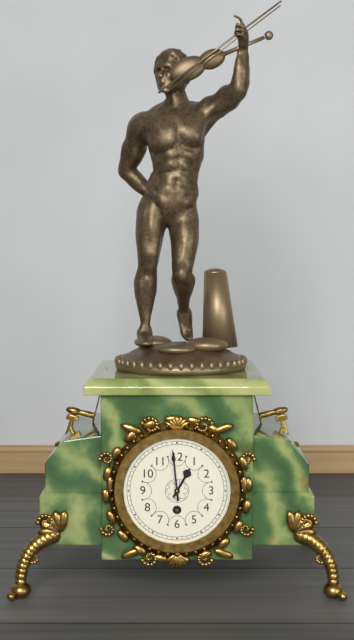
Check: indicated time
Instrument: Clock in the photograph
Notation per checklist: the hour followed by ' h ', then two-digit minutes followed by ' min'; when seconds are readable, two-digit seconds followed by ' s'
12 h 59 min
